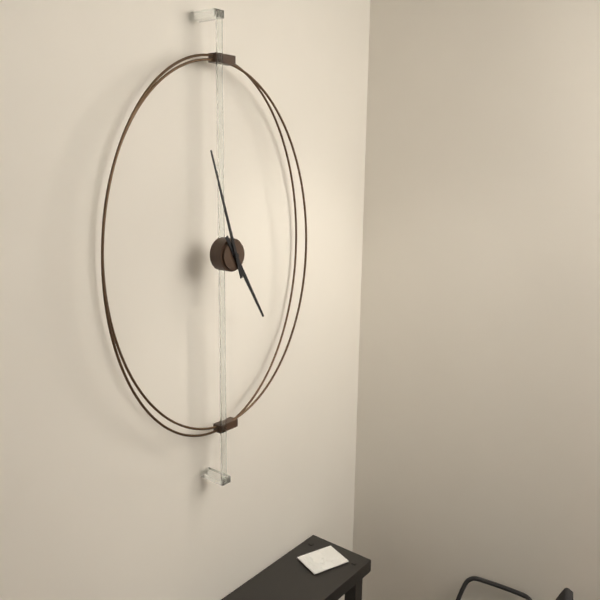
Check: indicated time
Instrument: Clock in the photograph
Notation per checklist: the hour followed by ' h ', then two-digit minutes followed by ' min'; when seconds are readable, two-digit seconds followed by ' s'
4 h 57 min
